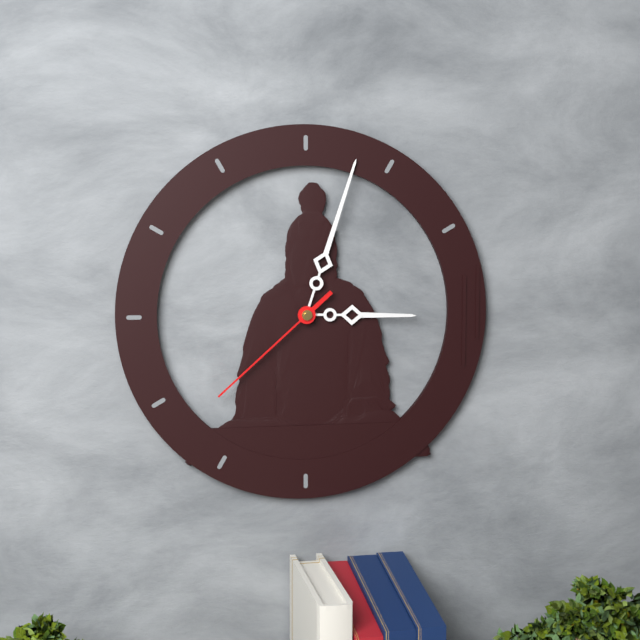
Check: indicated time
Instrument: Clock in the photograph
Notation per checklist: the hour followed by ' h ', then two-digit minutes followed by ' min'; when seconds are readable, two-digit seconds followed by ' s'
3 h 03 min 38 s
